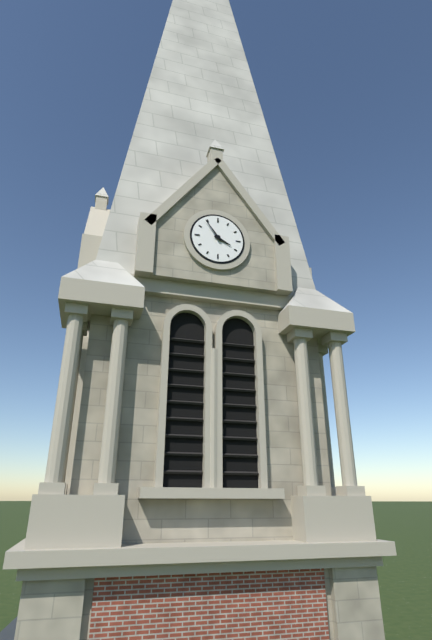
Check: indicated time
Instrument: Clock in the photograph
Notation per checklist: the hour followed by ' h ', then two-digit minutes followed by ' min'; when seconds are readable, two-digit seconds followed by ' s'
3 h 54 min
